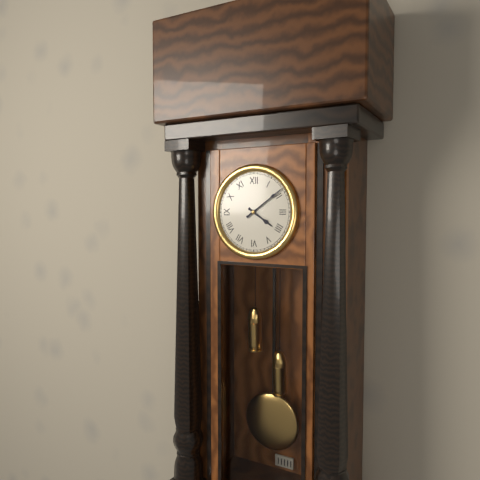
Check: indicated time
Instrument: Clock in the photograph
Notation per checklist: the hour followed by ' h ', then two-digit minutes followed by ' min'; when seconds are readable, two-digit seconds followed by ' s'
4 h 09 min
